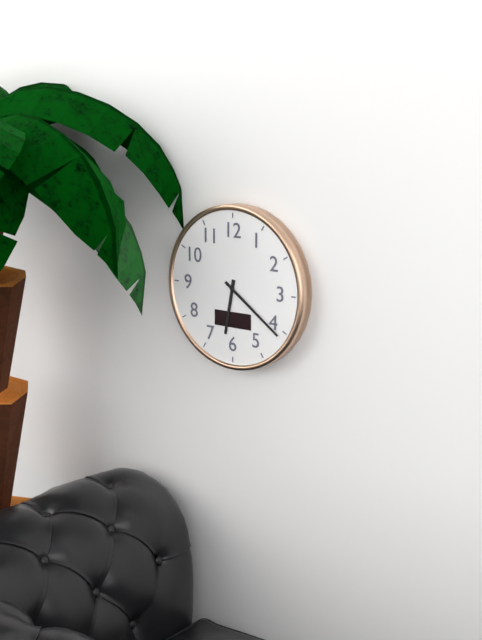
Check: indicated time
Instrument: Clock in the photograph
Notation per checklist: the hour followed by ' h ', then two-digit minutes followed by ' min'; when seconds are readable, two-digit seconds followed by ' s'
6 h 21 min
